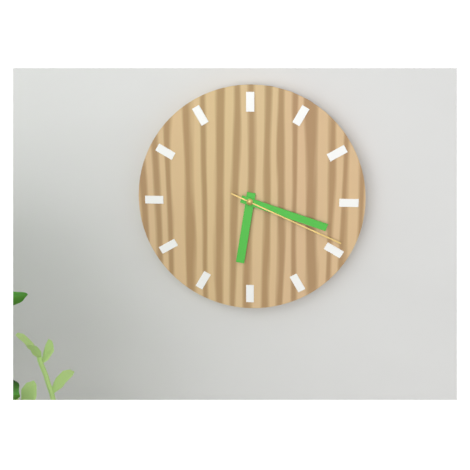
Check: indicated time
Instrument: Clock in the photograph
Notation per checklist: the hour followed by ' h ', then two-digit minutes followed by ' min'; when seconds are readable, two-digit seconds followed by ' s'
6 h 18 min 19 s
